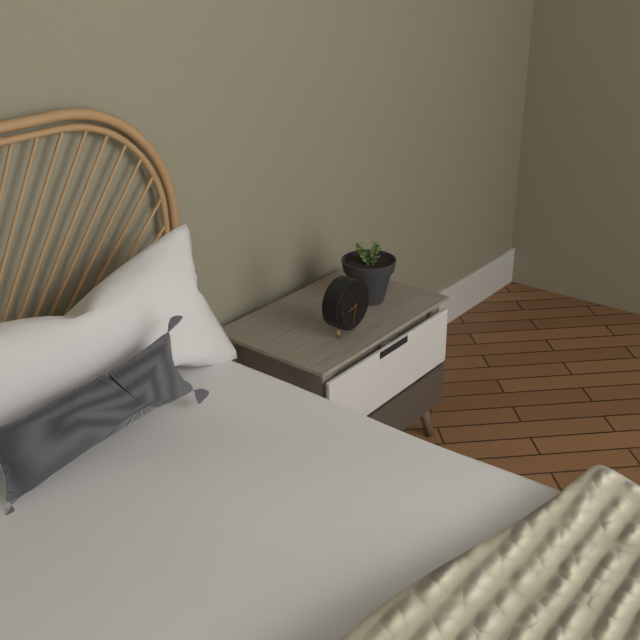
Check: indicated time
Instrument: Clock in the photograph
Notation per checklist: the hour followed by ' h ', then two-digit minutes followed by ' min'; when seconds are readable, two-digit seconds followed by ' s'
8 h 32 min
